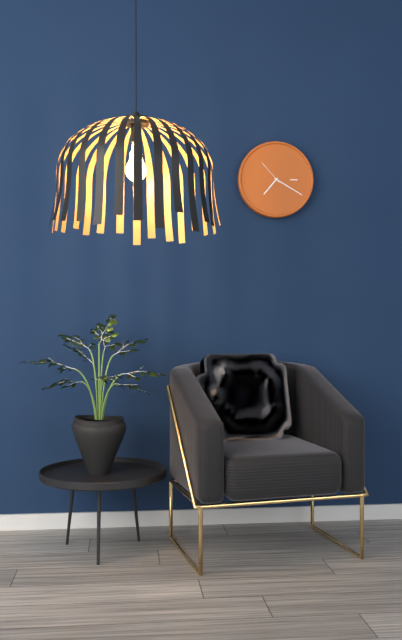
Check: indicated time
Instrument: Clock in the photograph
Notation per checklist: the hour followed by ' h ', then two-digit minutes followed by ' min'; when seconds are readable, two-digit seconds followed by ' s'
7 h 20 min
